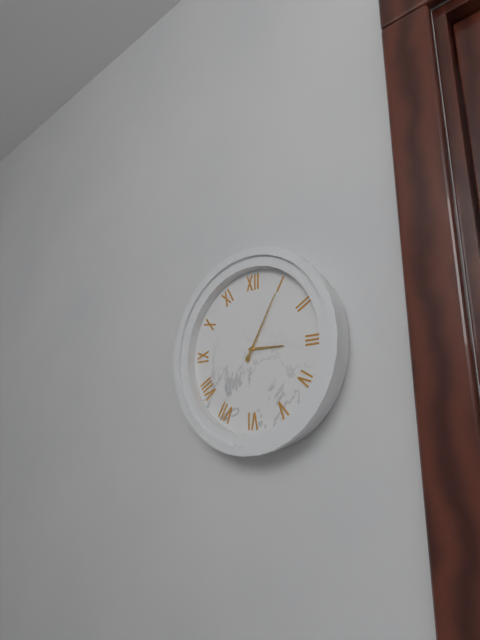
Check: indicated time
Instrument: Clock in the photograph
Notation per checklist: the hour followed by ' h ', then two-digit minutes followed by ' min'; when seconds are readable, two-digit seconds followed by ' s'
3 h 05 min
